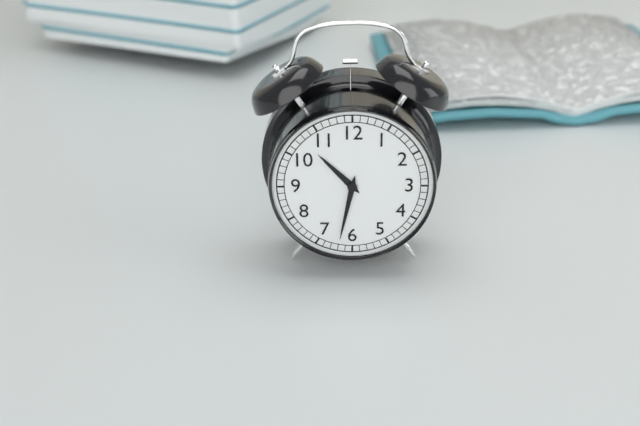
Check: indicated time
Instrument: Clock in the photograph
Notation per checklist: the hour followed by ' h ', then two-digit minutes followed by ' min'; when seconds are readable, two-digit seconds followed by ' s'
10 h 32 min
